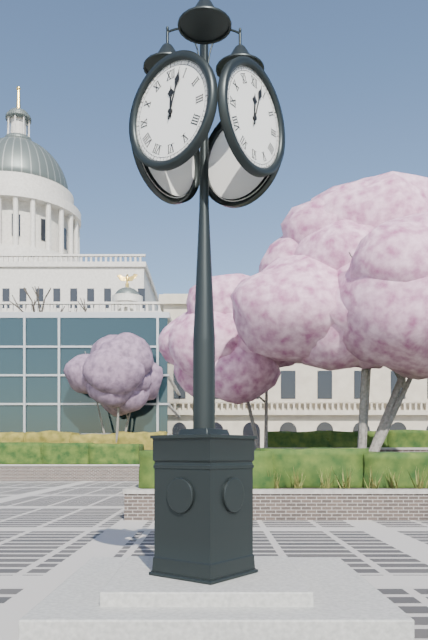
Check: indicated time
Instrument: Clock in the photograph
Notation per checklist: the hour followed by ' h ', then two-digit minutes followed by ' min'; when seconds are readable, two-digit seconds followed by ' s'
12 h 03 min
